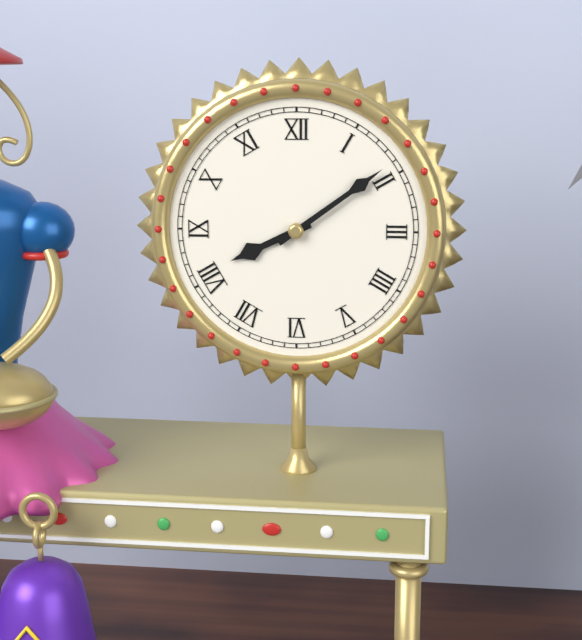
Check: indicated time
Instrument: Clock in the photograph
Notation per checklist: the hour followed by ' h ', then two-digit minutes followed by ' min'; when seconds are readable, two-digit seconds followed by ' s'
8 h 09 min
